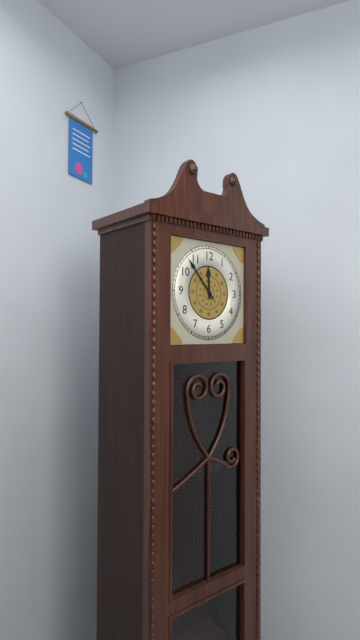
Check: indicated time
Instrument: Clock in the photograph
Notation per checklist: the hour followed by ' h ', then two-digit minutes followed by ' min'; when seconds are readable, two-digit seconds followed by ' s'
11 h 53 min
